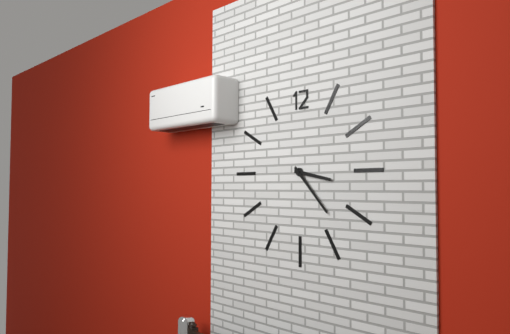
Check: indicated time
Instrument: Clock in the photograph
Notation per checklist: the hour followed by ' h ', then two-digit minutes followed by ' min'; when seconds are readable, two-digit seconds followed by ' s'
3 h 23 min
